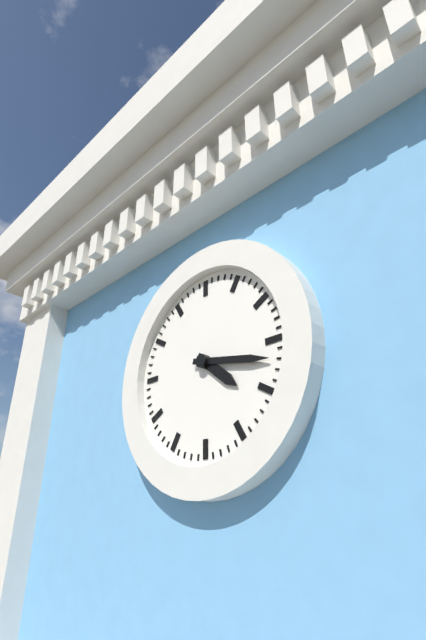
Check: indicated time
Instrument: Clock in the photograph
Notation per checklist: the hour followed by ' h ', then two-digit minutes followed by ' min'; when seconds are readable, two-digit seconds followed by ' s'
4 h 17 min
